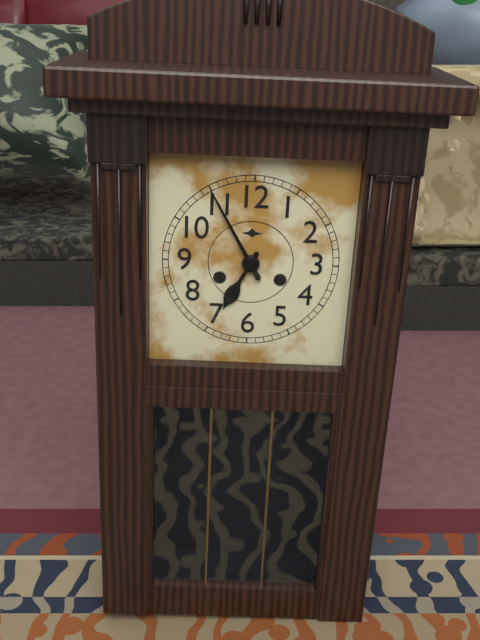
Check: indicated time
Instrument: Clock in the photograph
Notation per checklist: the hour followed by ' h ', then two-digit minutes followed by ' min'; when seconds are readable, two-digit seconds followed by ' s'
6 h 55 min
